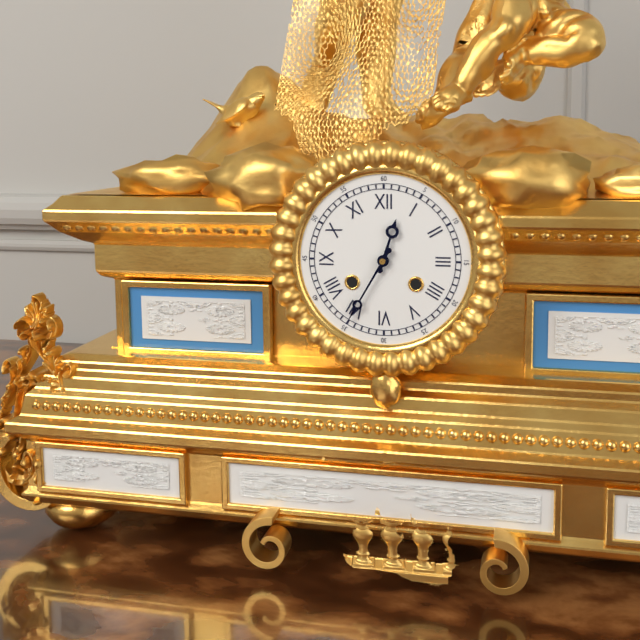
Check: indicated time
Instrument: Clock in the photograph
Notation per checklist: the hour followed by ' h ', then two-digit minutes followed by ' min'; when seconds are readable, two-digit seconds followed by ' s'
12 h 35 min
